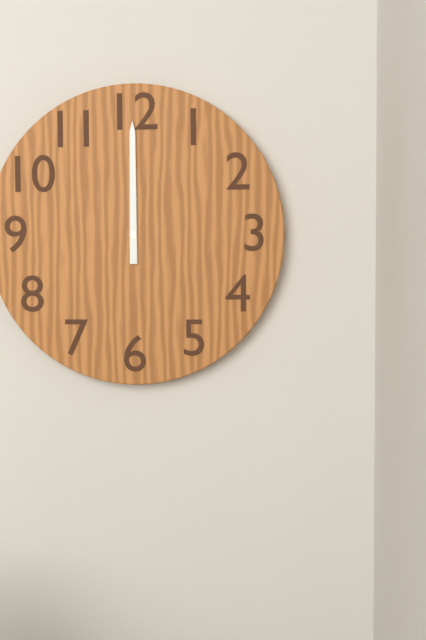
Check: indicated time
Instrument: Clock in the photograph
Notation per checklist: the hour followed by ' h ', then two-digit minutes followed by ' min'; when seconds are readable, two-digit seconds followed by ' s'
12 h 00 min
